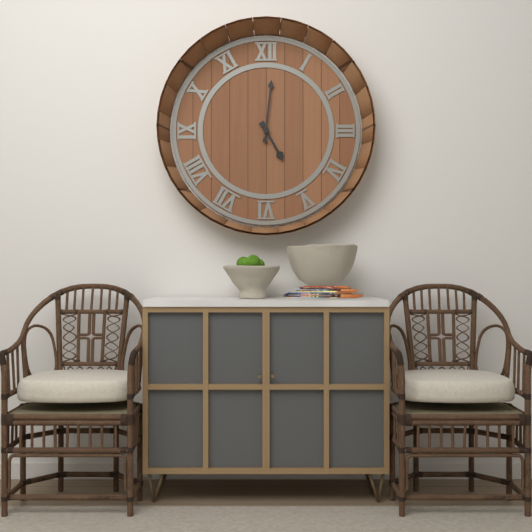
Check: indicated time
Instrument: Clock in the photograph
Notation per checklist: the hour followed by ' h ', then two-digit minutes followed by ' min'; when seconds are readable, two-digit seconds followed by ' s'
5 h 01 min
